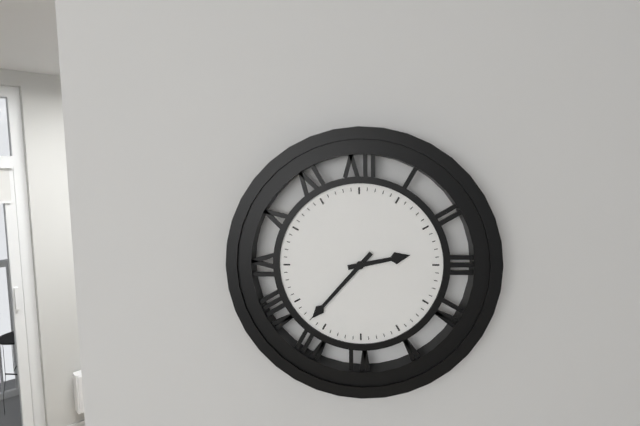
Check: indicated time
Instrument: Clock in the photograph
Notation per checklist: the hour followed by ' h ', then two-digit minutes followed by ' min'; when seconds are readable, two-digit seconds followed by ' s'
2 h 37 min
